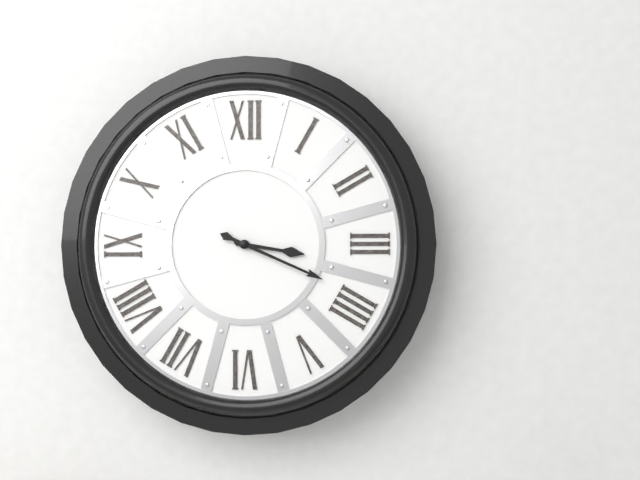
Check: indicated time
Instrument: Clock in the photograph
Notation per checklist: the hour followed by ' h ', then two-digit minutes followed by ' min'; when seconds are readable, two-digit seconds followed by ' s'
3 h 19 min
